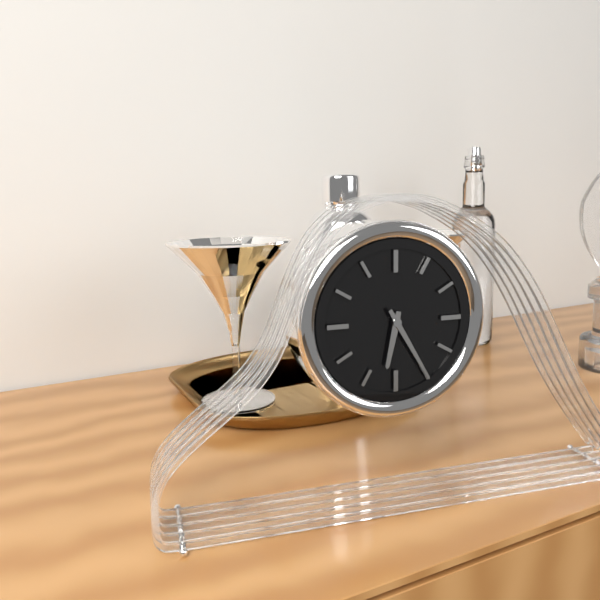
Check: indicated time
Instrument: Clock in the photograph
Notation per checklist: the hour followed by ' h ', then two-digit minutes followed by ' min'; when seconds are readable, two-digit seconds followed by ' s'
6 h 25 min
